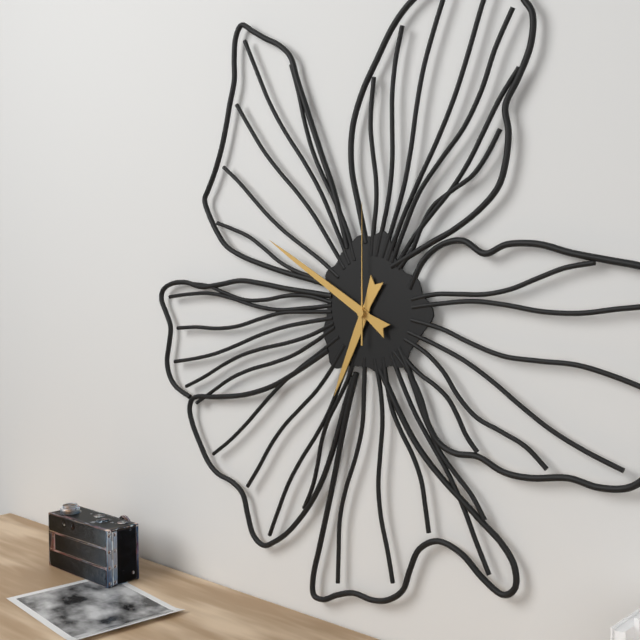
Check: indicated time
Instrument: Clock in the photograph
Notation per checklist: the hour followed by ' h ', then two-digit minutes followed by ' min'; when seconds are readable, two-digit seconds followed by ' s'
6 h 50 min 00 s
